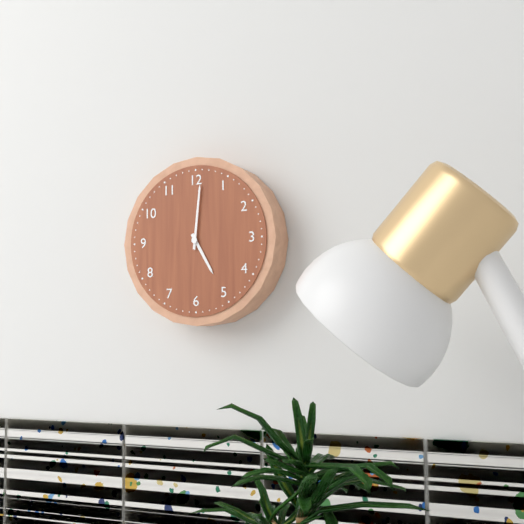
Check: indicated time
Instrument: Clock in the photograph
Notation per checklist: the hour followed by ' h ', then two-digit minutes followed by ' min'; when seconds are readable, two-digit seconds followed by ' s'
5 h 01 min
